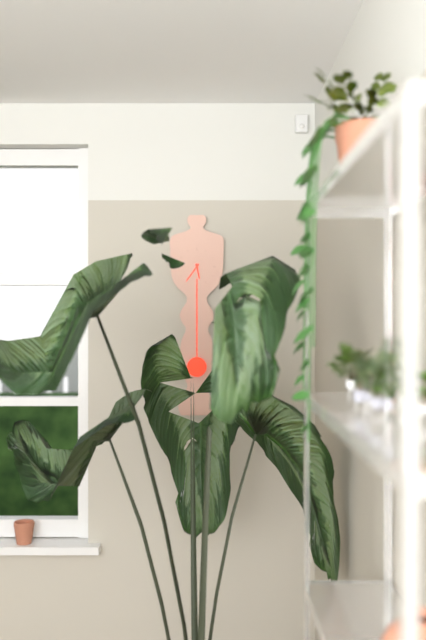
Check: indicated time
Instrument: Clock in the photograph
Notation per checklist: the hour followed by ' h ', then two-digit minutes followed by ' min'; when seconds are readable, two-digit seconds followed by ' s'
5 h 36 min
